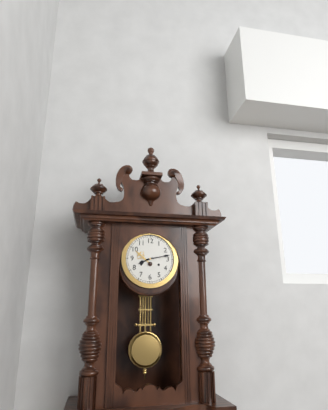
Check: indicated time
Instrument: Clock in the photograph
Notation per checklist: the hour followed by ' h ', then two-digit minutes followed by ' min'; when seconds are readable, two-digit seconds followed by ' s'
8 h 13 min
